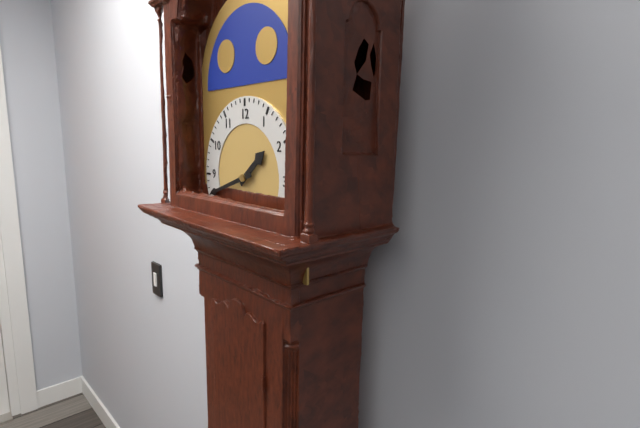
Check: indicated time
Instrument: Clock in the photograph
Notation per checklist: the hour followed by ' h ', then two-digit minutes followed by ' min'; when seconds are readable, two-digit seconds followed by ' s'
1 h 42 min
